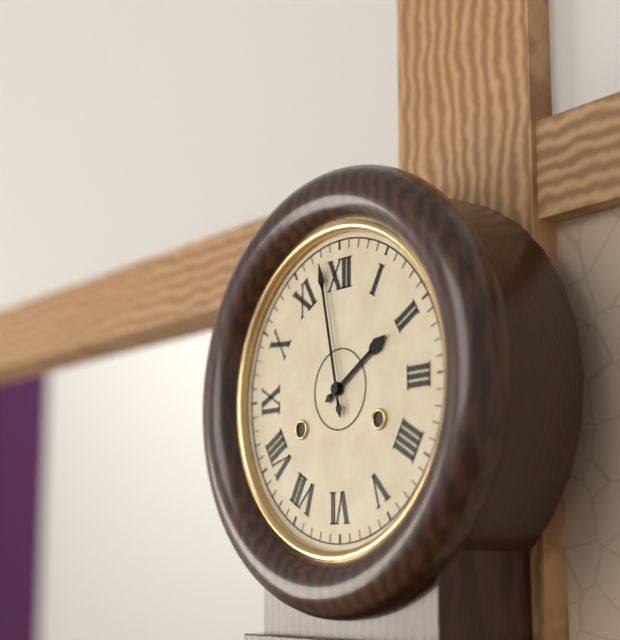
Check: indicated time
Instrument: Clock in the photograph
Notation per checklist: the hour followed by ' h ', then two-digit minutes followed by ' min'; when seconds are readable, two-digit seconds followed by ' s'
1 h 58 min
